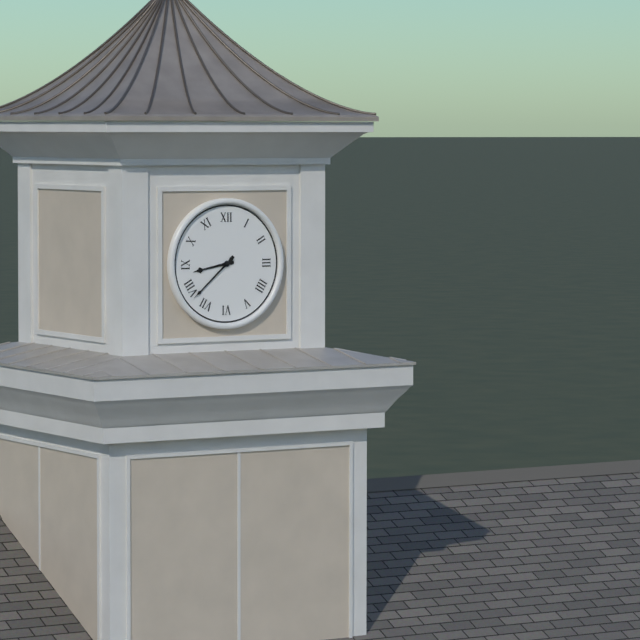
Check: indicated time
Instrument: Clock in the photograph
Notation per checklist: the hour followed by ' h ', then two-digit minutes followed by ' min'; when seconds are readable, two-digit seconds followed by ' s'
8 h 38 min
